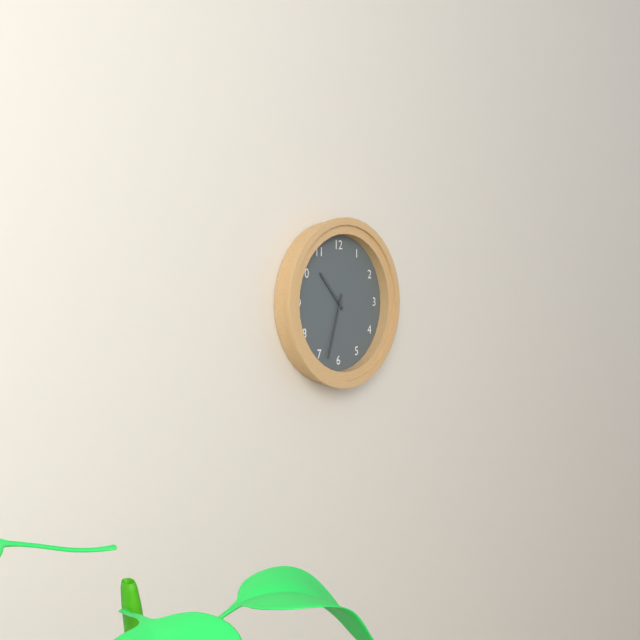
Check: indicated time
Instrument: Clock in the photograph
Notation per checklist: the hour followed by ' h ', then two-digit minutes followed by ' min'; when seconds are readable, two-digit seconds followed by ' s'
10 h 33 min
